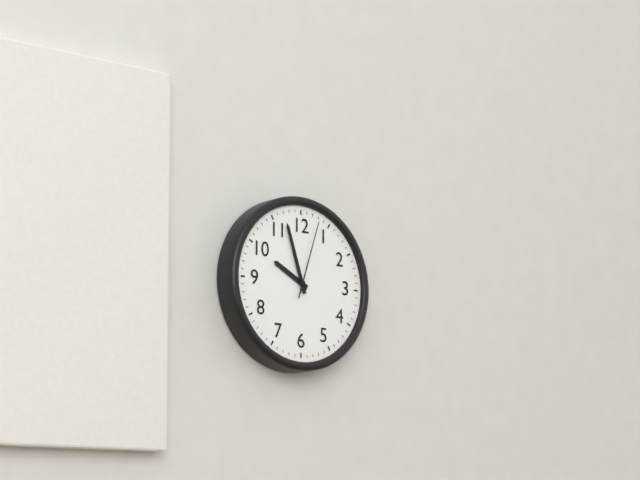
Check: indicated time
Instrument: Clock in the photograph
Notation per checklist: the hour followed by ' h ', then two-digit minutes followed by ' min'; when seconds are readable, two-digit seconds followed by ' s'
9 h 57 min 03 s
